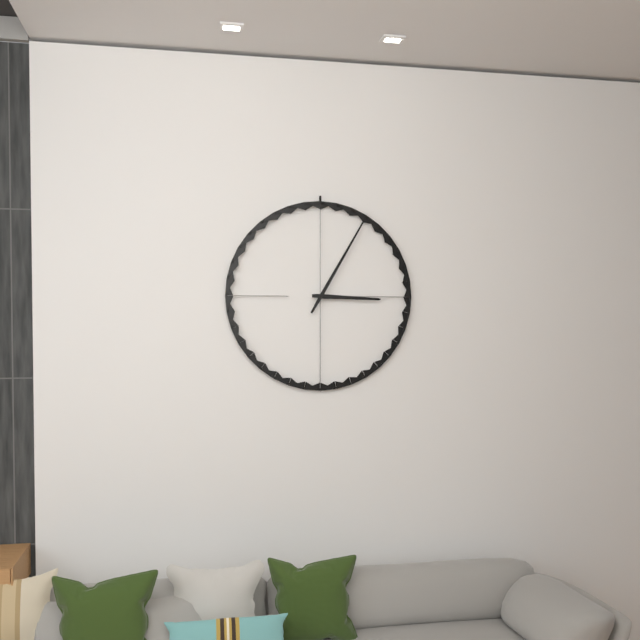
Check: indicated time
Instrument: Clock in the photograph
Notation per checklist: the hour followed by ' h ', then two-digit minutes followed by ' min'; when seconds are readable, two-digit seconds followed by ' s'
3 h 05 min
